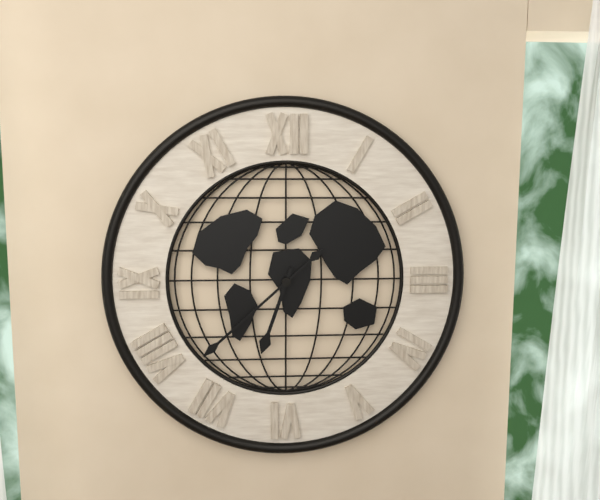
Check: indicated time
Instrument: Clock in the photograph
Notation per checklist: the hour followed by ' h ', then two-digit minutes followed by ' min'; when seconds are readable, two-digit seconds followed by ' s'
6 h 38 min
